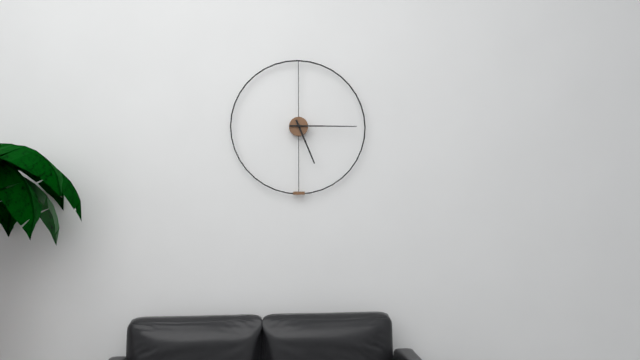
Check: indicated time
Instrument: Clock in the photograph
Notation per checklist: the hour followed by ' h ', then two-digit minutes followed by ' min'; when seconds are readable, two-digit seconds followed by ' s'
5 h 15 min
